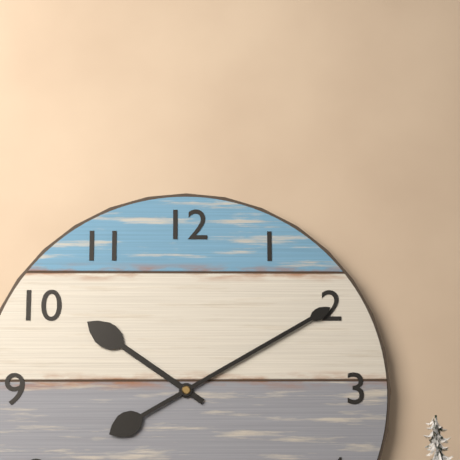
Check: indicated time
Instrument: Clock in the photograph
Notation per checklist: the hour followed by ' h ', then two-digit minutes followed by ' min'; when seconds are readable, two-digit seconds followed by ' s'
10 h 10 min
